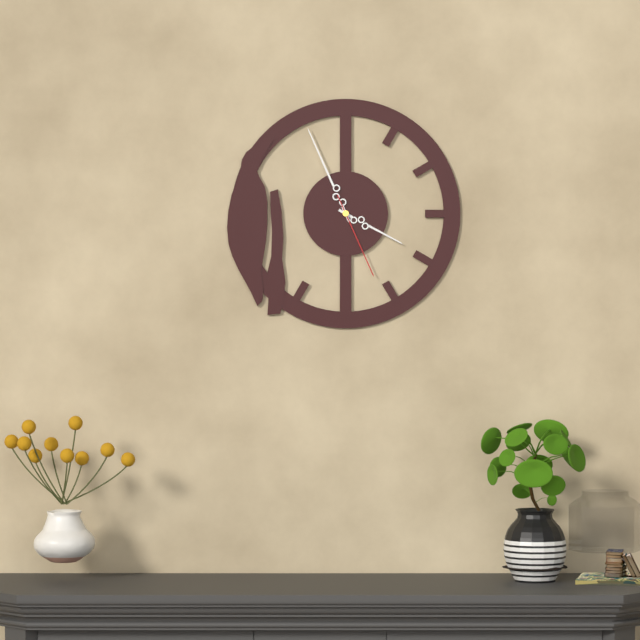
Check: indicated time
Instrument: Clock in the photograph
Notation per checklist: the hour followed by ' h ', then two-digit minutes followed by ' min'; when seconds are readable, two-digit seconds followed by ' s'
3 h 56 min 26 s
